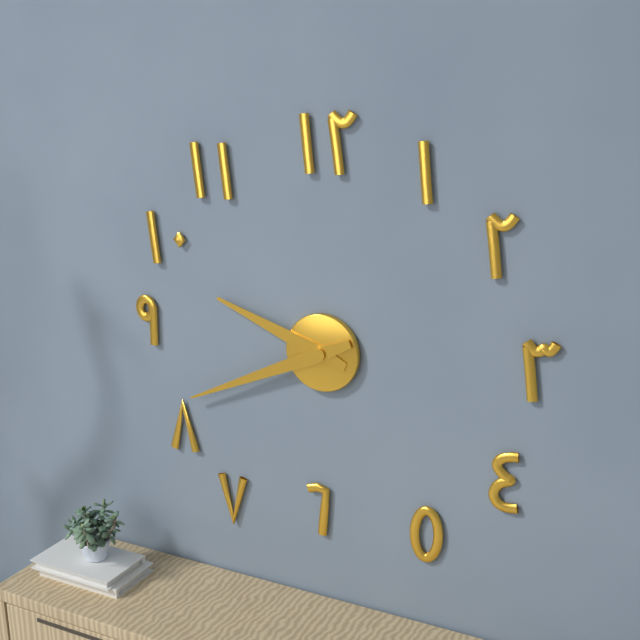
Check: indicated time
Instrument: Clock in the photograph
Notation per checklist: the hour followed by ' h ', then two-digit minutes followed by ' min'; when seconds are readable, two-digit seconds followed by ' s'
9 h 41 min
